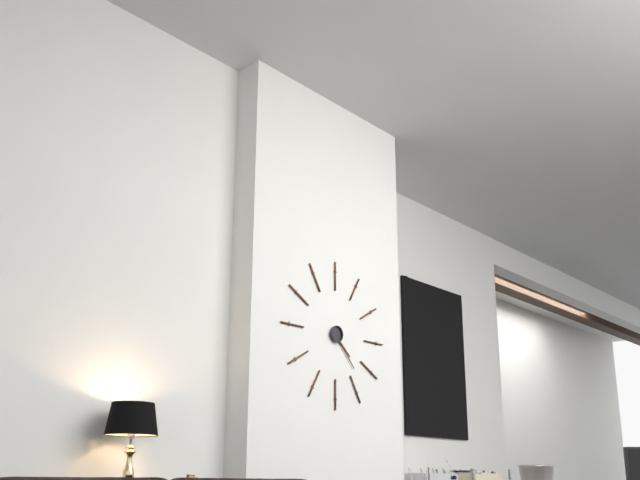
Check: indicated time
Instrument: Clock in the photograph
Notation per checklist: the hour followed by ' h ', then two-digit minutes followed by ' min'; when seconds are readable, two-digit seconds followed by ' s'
4 h 23 min
